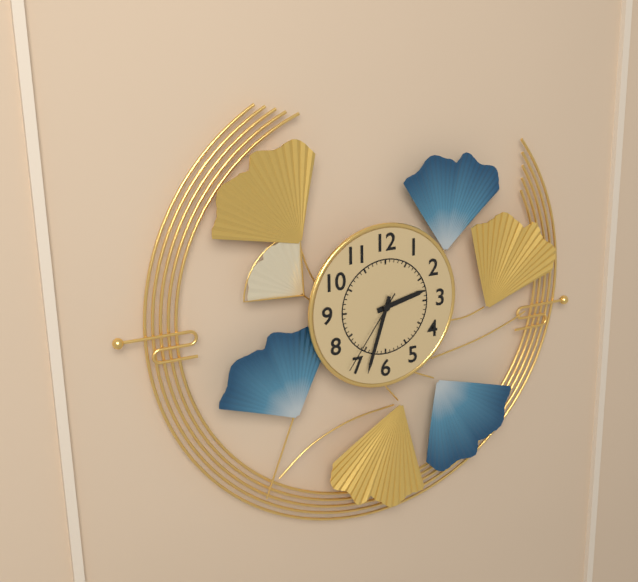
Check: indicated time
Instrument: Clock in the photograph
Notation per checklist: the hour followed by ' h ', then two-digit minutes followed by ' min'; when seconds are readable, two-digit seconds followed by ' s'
2 h 33 min 36 s
